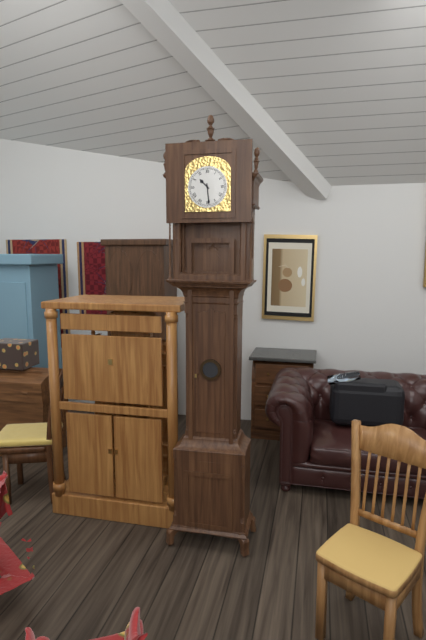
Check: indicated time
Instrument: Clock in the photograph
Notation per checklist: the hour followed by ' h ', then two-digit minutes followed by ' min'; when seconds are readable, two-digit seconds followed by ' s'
10 h 29 min
